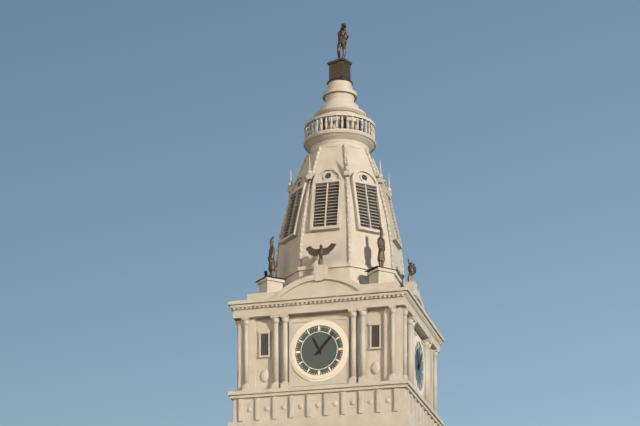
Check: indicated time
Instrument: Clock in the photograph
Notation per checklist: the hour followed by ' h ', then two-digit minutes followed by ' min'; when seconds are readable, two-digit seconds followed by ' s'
11 h 07 min
